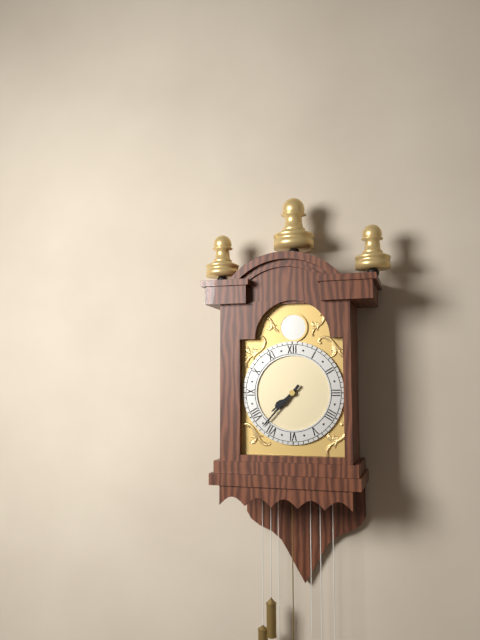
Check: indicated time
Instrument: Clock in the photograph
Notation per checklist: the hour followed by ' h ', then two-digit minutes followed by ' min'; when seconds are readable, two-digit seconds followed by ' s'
7 h 37 min
